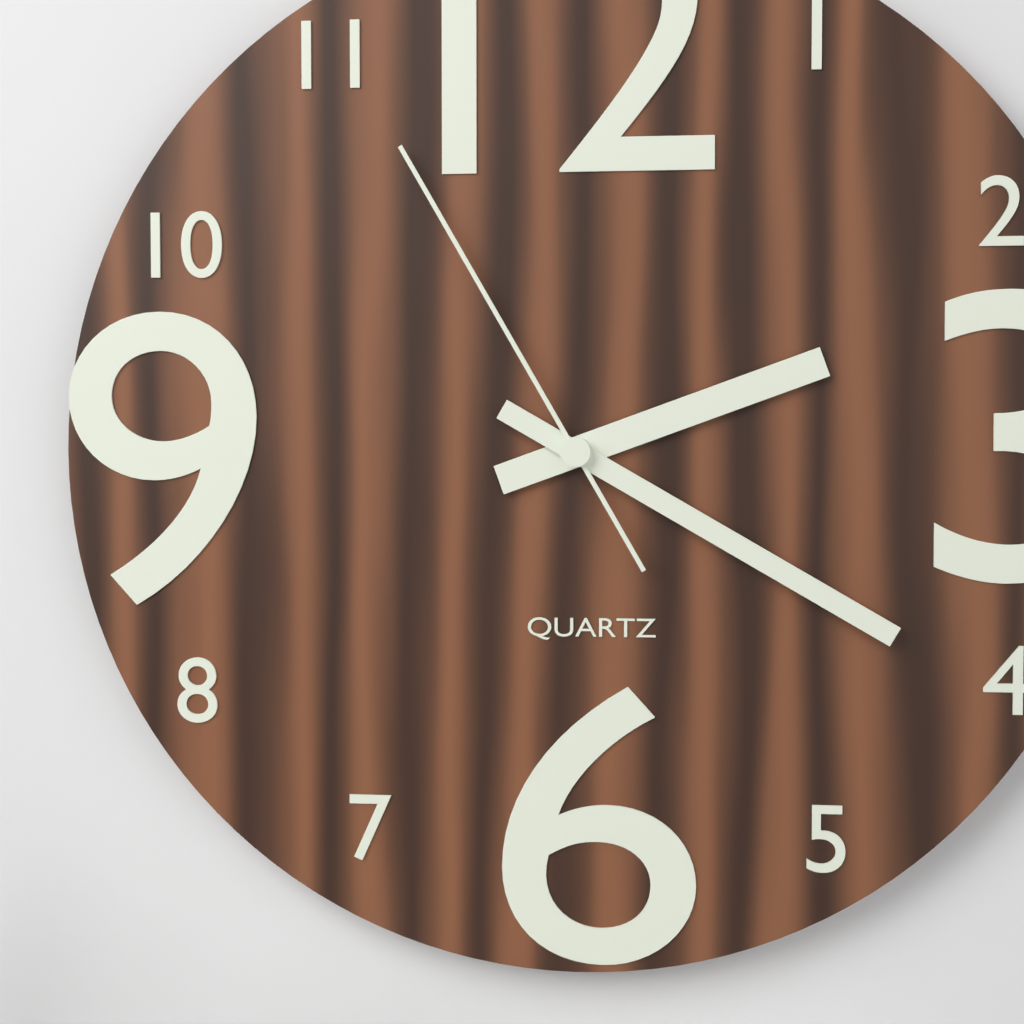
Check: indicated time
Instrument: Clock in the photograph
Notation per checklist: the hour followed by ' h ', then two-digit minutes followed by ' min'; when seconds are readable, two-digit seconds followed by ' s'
2 h 20 min 55 s
